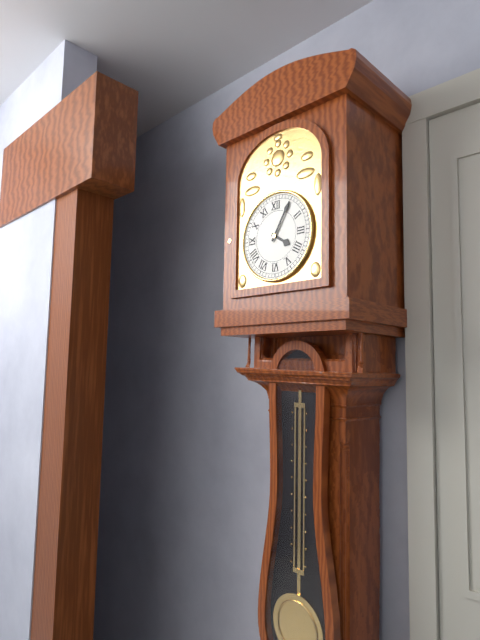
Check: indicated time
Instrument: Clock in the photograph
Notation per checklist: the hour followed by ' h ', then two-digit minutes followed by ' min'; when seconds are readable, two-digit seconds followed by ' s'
4 h 05 min
